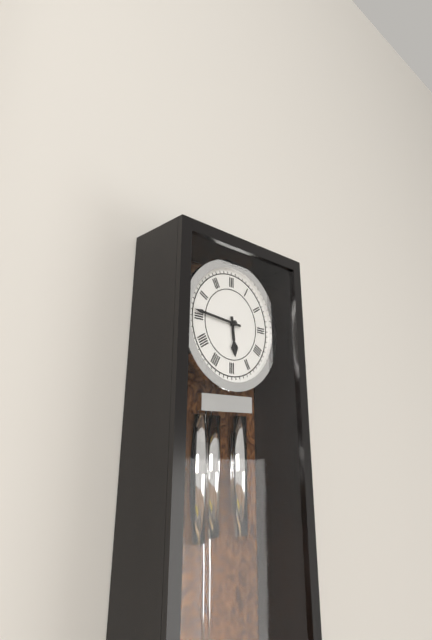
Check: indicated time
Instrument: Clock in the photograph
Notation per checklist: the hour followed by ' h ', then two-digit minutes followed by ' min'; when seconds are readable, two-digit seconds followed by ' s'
5 h 46 min
